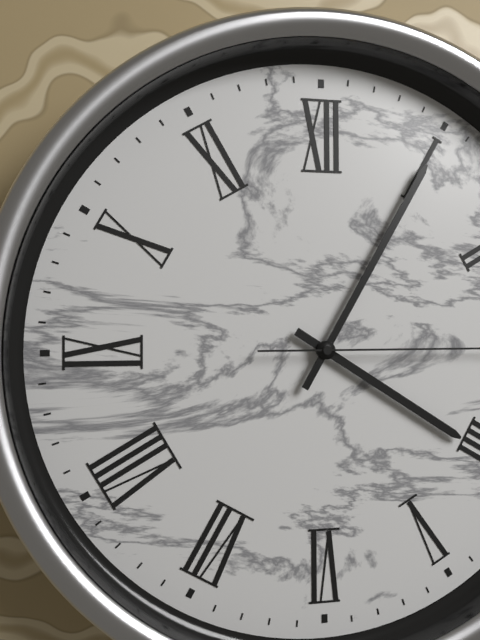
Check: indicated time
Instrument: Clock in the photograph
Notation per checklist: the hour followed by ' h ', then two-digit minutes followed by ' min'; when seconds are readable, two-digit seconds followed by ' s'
4 h 05 min
